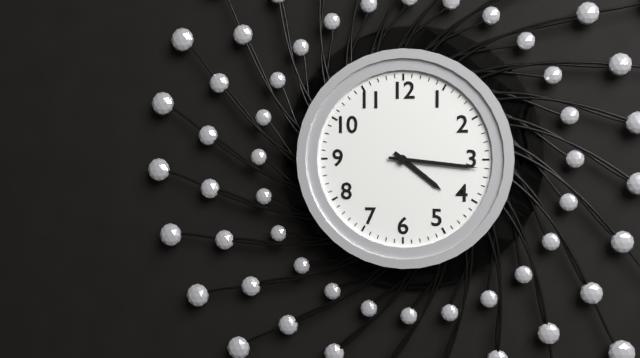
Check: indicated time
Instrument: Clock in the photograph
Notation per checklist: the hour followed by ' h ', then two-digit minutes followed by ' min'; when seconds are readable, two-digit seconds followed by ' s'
4 h 16 min
